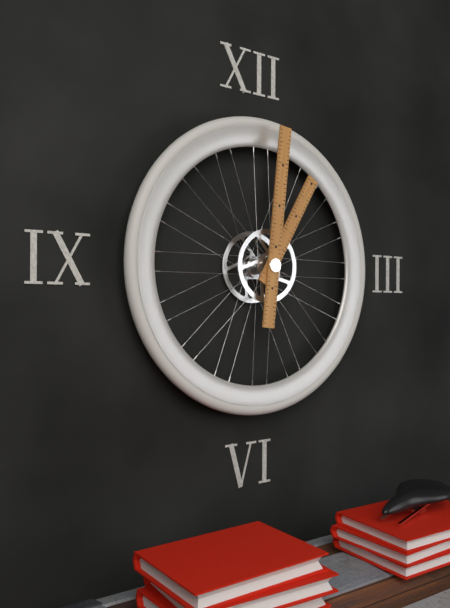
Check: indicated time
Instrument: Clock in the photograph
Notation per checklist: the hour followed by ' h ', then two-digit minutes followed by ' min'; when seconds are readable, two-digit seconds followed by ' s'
1 h 01 min
